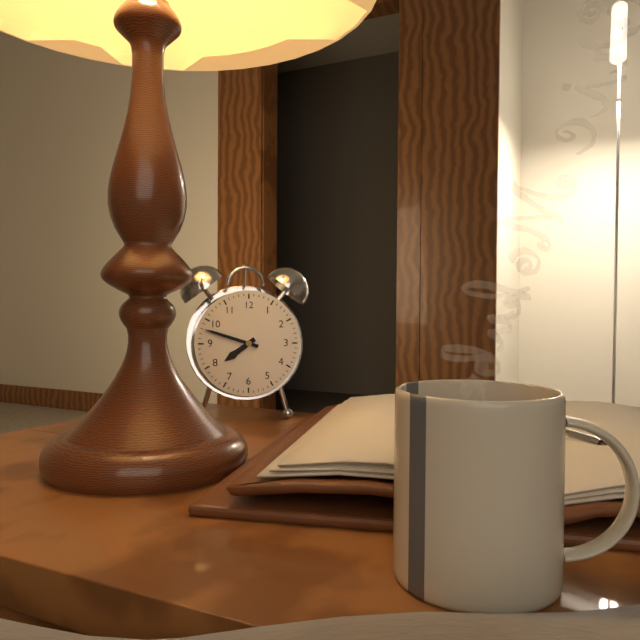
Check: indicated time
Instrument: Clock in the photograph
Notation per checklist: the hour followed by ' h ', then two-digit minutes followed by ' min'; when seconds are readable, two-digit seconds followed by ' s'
7 h 48 min
